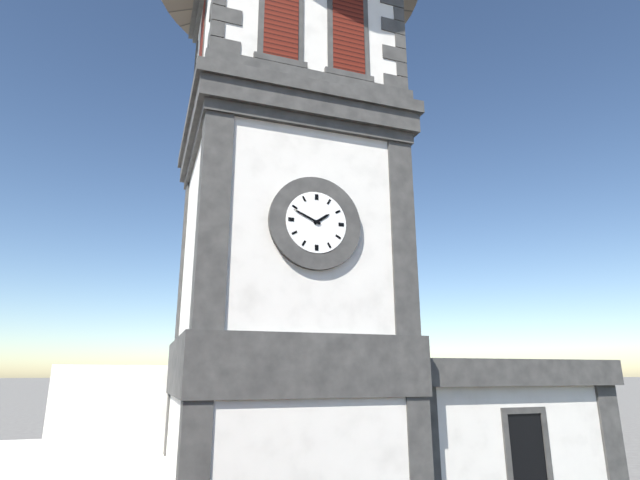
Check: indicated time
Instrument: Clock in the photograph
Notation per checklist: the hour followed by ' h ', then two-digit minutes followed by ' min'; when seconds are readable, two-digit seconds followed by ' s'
1 h 49 min
